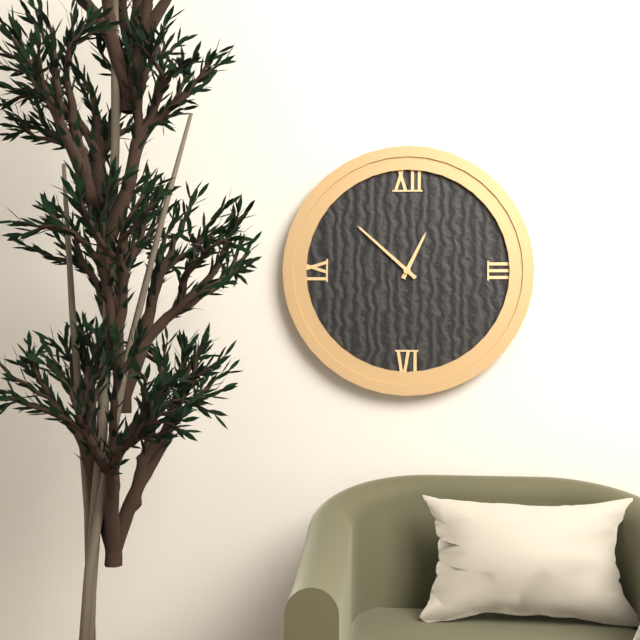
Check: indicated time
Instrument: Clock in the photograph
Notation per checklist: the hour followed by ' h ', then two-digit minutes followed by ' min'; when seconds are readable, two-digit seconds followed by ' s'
12 h 52 min
